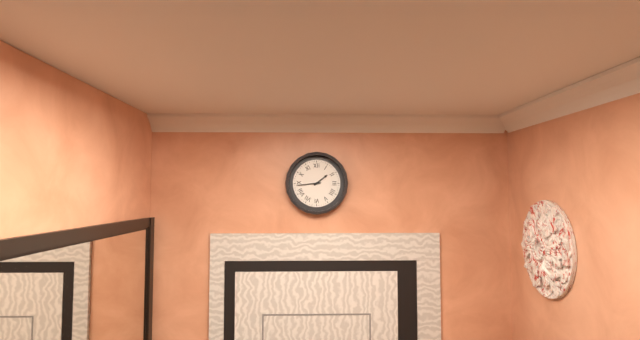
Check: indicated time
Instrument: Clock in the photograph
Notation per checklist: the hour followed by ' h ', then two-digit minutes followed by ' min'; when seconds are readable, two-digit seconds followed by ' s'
1 h 44 min
